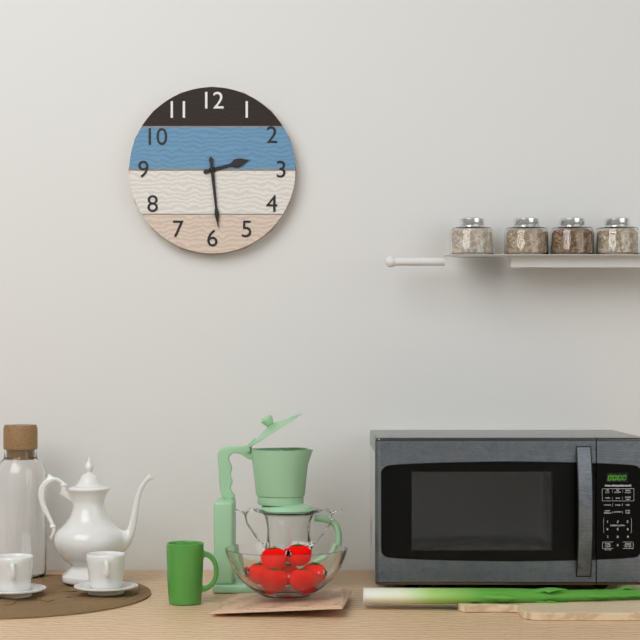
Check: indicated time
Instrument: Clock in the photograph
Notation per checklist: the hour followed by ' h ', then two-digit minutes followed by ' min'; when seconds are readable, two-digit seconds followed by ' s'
2 h 29 min
